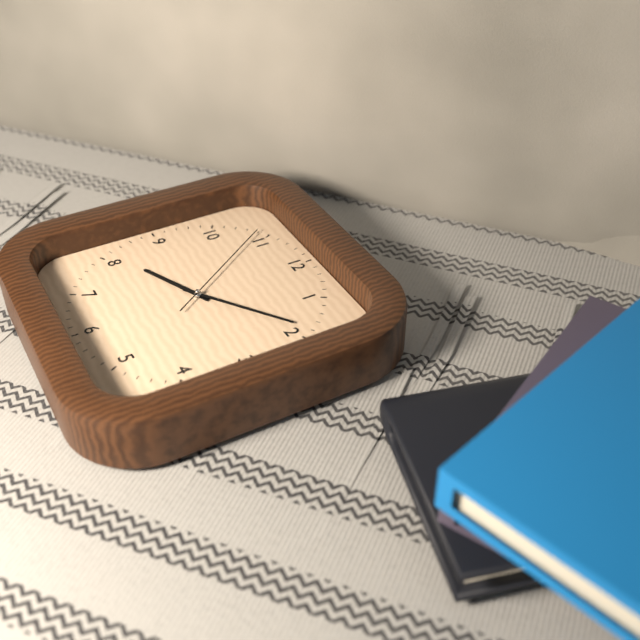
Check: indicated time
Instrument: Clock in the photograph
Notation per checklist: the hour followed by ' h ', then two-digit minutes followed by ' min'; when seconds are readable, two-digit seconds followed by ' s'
8 h 09 min 54 s
